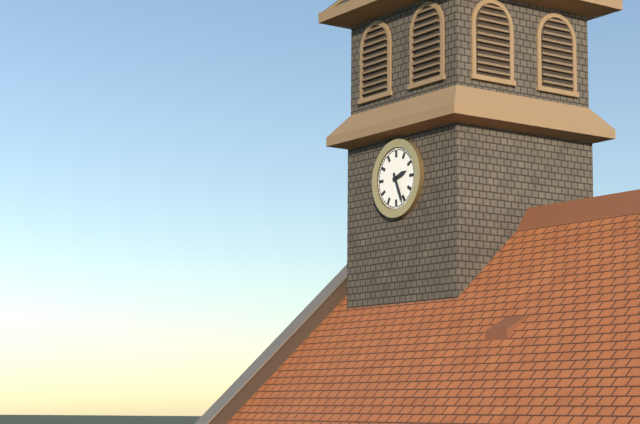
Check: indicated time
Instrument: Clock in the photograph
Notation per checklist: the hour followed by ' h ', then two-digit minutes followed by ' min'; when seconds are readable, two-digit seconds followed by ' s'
2 h 26 min
